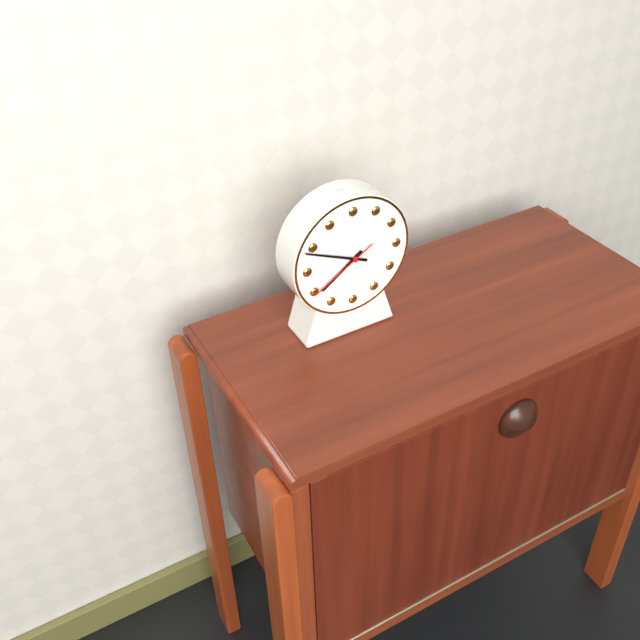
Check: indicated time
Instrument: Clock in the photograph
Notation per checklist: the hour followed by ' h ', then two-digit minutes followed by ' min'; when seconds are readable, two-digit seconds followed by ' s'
7 h 49 min 40 s
